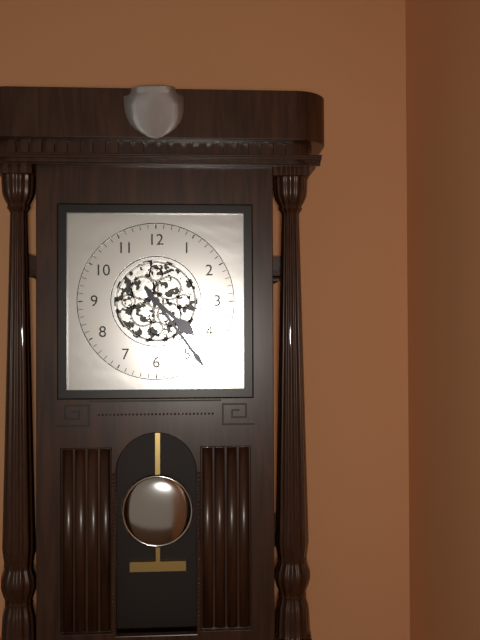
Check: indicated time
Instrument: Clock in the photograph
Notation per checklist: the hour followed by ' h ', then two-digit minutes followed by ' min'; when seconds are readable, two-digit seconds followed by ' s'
4 h 24 min
